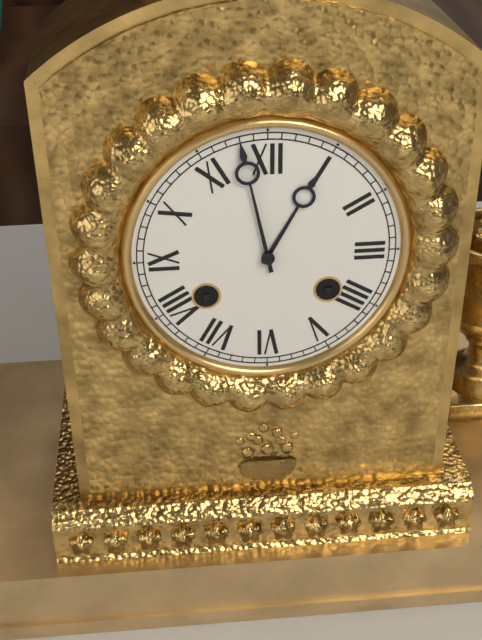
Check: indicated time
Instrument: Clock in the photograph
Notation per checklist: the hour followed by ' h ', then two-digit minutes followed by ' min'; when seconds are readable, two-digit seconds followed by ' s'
12 h 58 min
